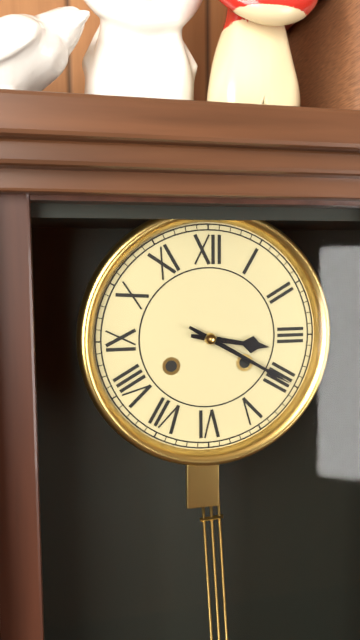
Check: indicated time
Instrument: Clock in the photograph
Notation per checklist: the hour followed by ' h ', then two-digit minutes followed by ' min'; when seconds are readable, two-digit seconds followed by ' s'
3 h 20 min
